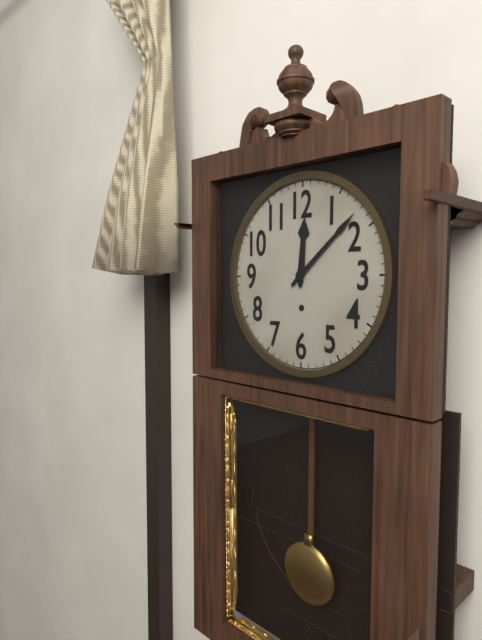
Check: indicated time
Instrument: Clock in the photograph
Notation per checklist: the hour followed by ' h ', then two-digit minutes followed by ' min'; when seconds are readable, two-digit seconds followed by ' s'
12 h 08 min
